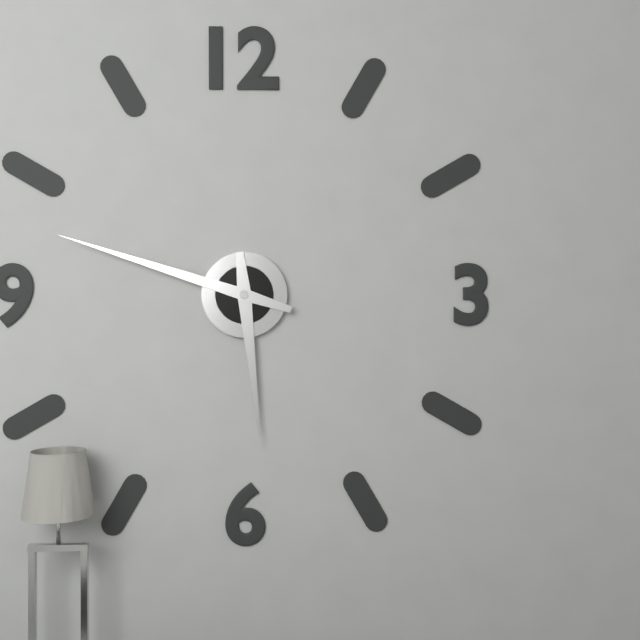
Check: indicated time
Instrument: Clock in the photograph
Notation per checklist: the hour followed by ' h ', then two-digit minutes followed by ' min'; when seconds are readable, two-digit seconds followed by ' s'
5 h 48 min
